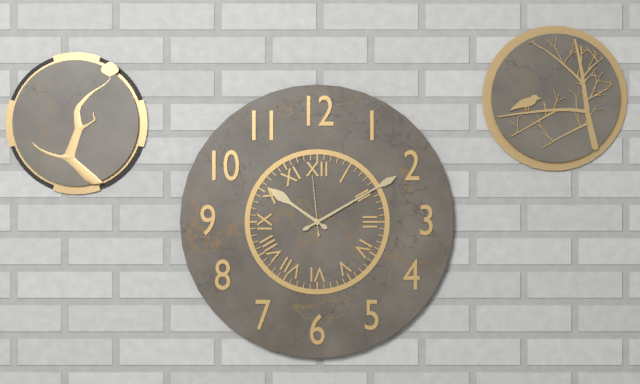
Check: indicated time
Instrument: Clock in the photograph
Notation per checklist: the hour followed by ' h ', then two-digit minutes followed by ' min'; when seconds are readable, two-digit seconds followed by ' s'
10 h 10 min 59 s
